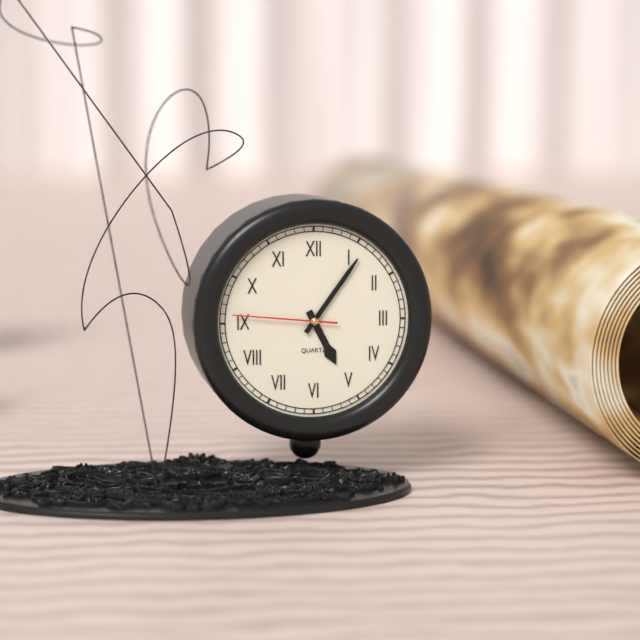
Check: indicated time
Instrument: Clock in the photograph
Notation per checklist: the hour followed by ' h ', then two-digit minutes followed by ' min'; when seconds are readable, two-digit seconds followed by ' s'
5 h 06 min 46 s
